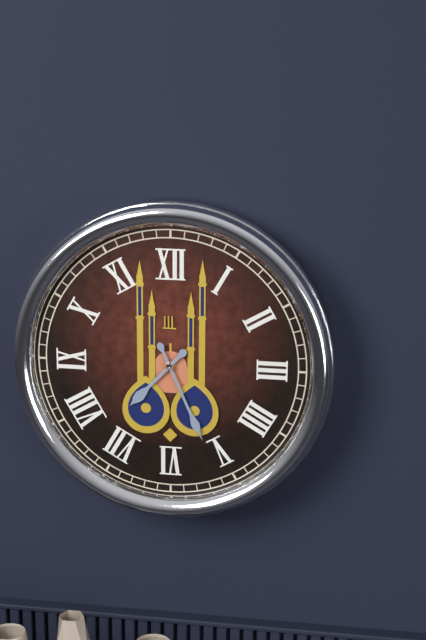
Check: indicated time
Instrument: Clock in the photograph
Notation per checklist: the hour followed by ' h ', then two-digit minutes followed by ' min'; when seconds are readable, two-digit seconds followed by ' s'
7 h 26 min
